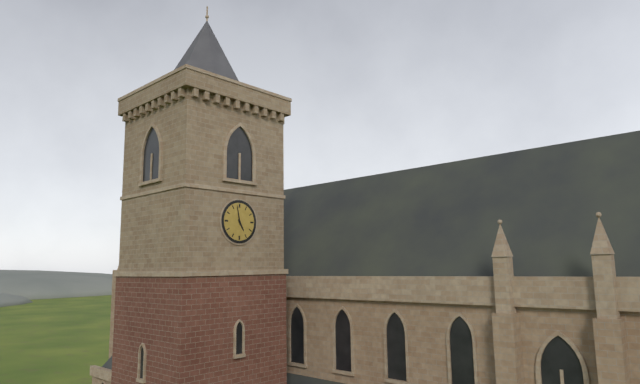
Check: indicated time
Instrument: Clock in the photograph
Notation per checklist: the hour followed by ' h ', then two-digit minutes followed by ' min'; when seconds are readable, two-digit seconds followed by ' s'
4 h 58 min
